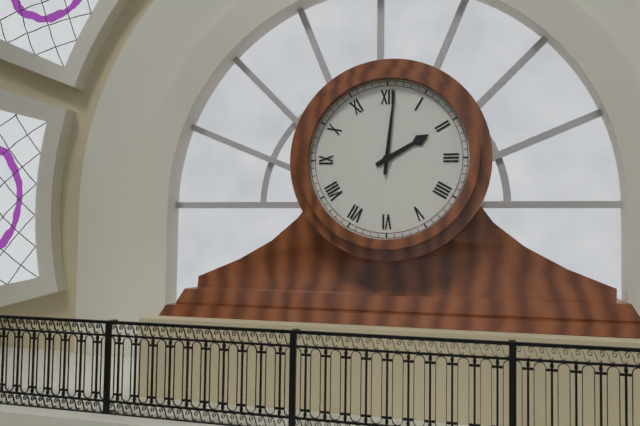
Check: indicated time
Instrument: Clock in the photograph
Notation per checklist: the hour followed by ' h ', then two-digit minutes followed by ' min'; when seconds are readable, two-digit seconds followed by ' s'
2 h 01 min
